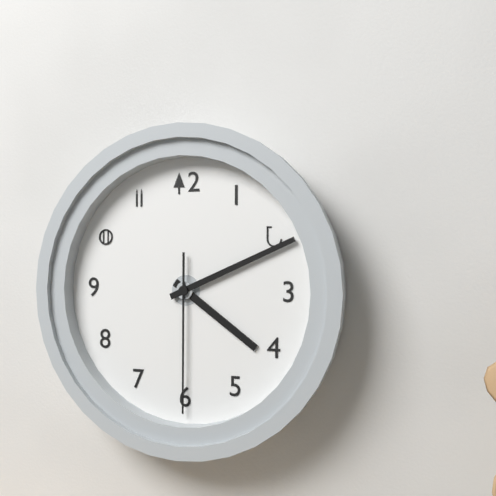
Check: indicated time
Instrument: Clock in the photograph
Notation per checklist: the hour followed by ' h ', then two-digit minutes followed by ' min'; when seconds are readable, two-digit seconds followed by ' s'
4 h 11 min 30 s
